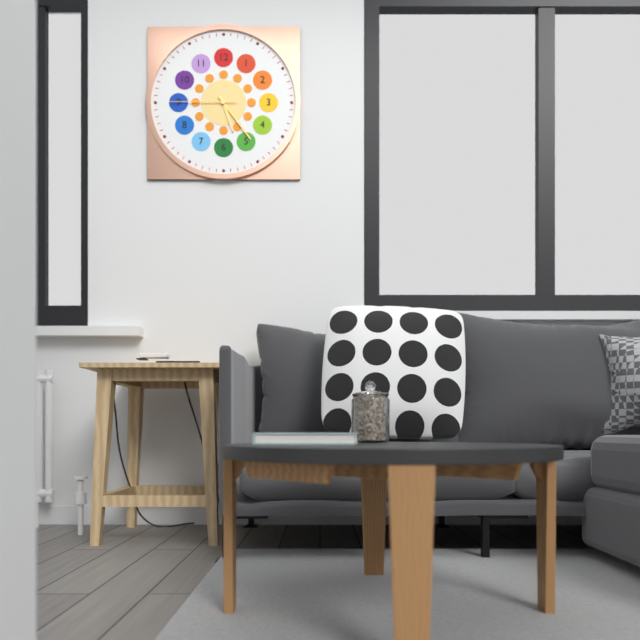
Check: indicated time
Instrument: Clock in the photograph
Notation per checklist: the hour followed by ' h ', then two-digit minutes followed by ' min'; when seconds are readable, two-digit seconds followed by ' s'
5 h 24 min 45 s
